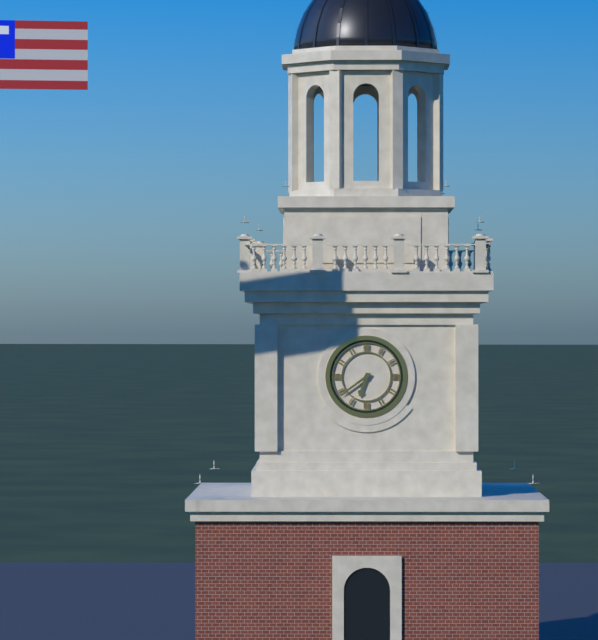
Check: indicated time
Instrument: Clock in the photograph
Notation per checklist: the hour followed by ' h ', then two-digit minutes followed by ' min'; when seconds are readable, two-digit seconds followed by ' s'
6 h 39 min
